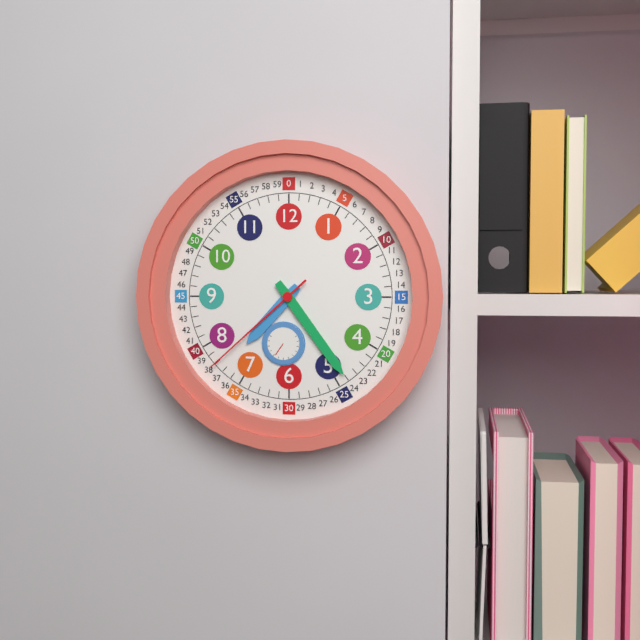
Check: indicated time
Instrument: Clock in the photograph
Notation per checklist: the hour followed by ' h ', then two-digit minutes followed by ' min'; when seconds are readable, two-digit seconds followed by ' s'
7 h 24 min 38 s
